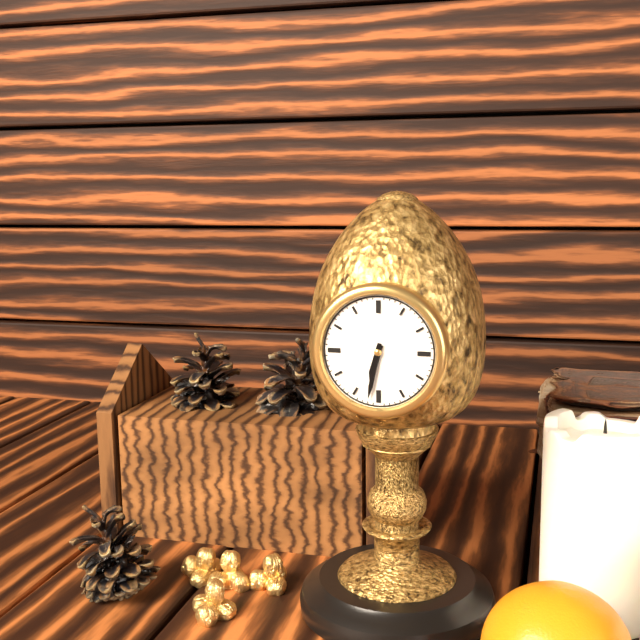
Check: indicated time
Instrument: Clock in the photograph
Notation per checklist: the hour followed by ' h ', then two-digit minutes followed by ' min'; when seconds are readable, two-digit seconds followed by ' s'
6 h 32 min
